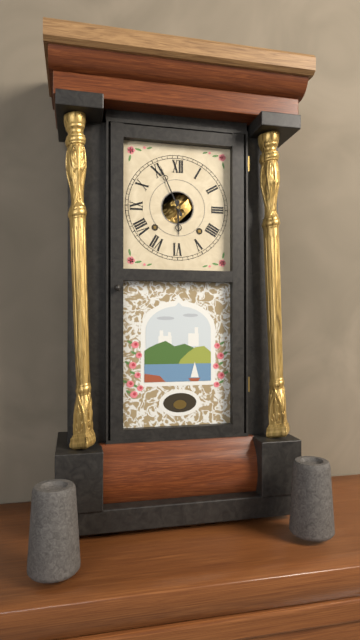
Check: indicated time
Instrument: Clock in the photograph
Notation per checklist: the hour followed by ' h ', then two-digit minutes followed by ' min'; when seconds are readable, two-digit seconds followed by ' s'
5 h 56 min
